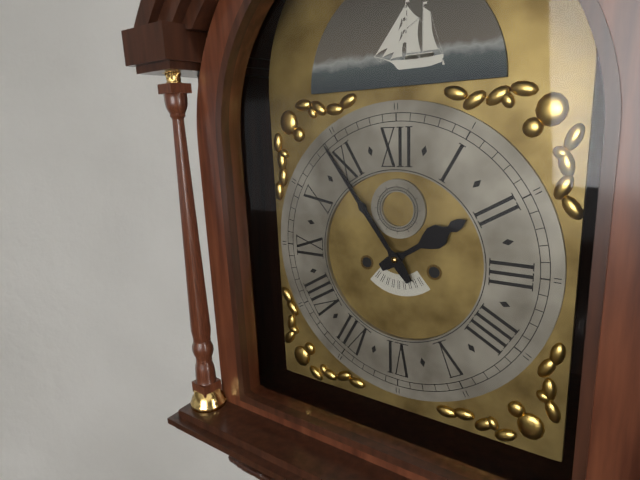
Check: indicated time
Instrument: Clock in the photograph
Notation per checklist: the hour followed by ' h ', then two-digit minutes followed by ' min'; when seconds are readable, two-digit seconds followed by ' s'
1 h 54 min
